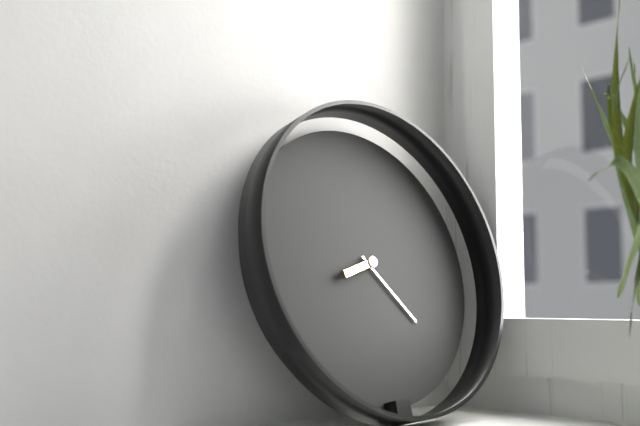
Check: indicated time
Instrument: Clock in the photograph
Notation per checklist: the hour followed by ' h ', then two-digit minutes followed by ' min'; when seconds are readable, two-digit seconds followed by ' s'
8 h 23 min
